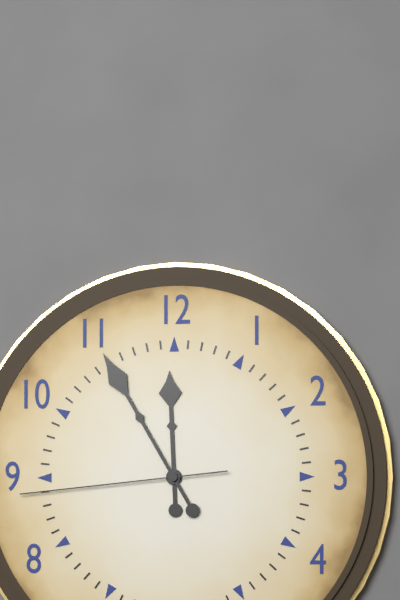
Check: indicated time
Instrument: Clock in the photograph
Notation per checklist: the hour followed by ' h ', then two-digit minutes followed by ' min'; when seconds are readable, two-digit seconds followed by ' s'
11 h 55 min 44 s
